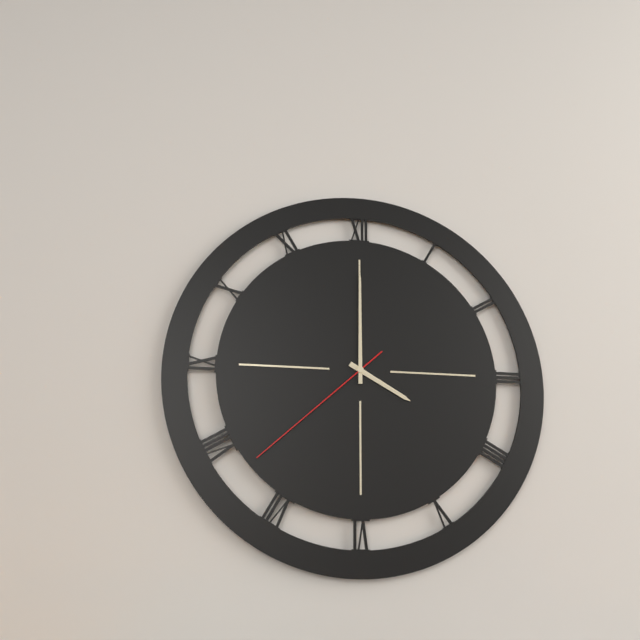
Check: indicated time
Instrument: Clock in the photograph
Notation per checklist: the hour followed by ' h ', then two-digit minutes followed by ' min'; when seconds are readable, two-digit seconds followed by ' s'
4 h 00 min 38 s
